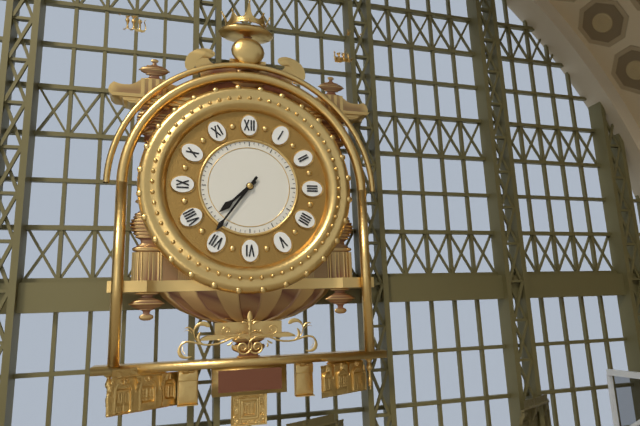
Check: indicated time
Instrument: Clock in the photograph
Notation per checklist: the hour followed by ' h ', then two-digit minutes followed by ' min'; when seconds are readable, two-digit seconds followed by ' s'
7 h 36 min
